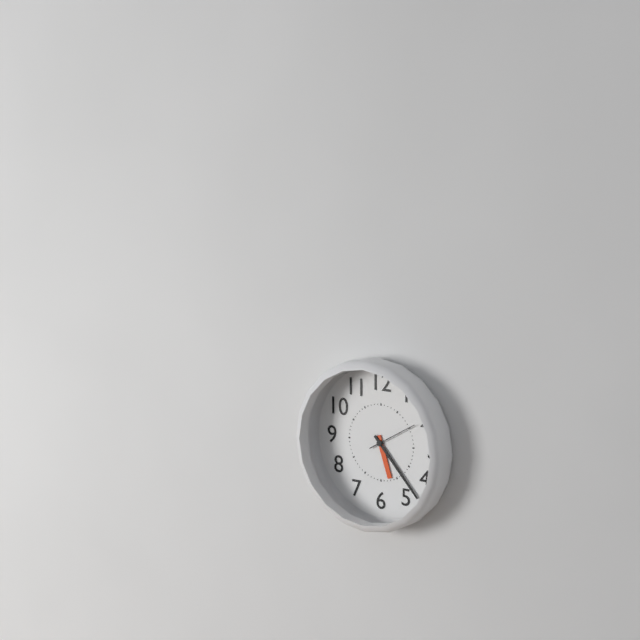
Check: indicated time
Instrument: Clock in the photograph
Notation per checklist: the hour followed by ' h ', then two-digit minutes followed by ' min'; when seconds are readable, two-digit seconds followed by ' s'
5 h 23 min
